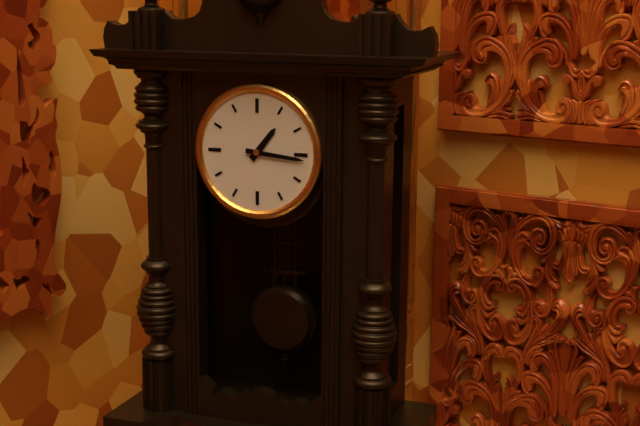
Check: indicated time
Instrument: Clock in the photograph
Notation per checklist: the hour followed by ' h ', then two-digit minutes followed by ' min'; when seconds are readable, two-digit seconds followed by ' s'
1 h 16 min
